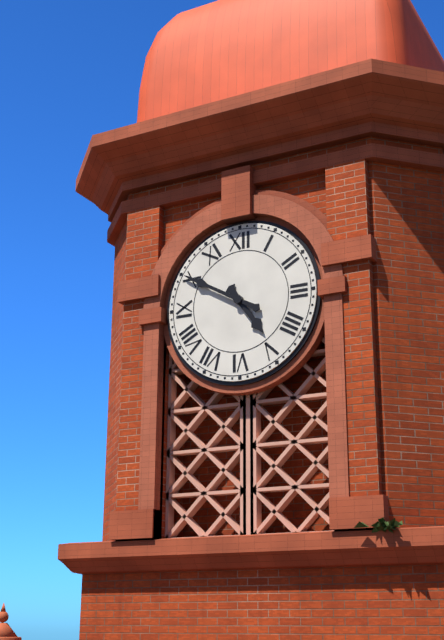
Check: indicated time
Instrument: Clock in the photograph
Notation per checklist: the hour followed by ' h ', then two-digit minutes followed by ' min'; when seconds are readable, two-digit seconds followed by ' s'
4 h 50 min
